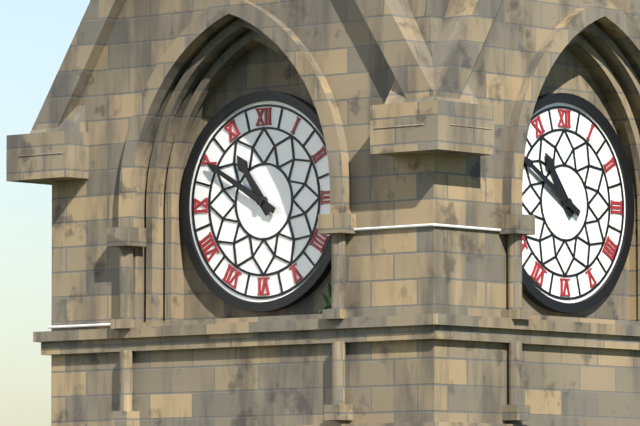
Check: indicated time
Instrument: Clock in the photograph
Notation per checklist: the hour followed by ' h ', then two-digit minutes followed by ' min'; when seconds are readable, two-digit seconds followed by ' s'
10 h 50 min
